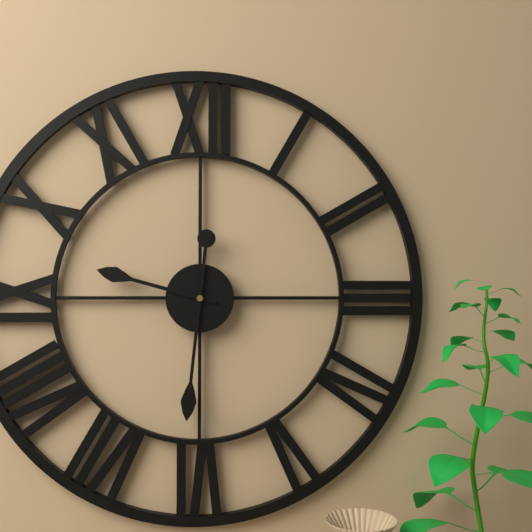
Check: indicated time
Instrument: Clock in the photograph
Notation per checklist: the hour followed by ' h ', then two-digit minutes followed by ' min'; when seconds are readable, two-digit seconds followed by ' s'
9 h 31 min
